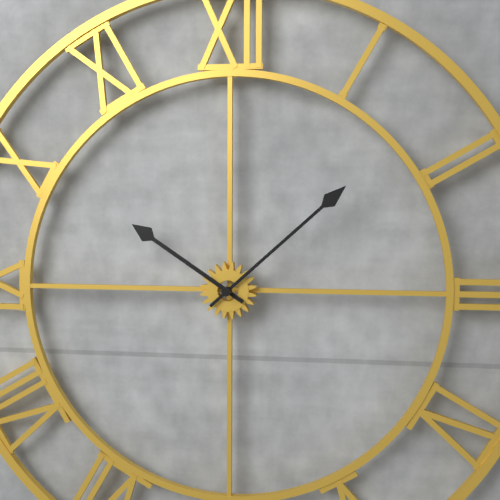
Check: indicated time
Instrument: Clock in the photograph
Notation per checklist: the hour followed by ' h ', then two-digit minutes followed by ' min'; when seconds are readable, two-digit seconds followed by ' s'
10 h 08 min
